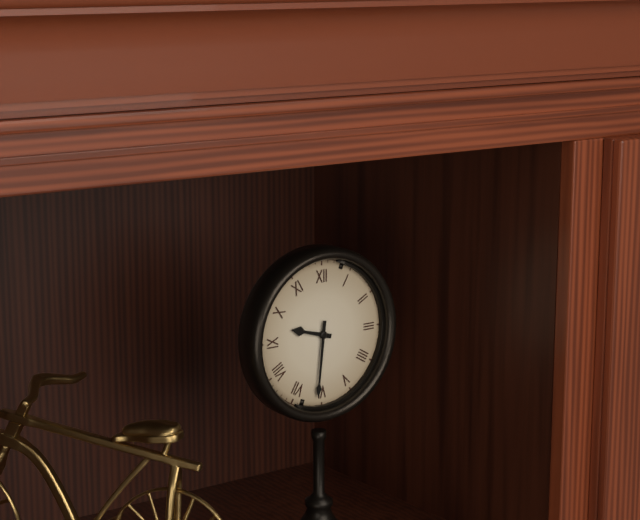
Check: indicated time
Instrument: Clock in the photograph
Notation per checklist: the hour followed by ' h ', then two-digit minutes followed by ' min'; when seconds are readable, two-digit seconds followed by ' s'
9 h 31 min
